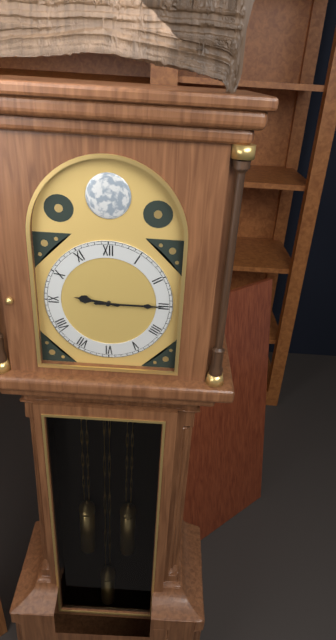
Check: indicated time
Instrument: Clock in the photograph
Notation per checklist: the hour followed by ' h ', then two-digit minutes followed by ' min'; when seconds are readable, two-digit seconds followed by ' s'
9 h 15 min
